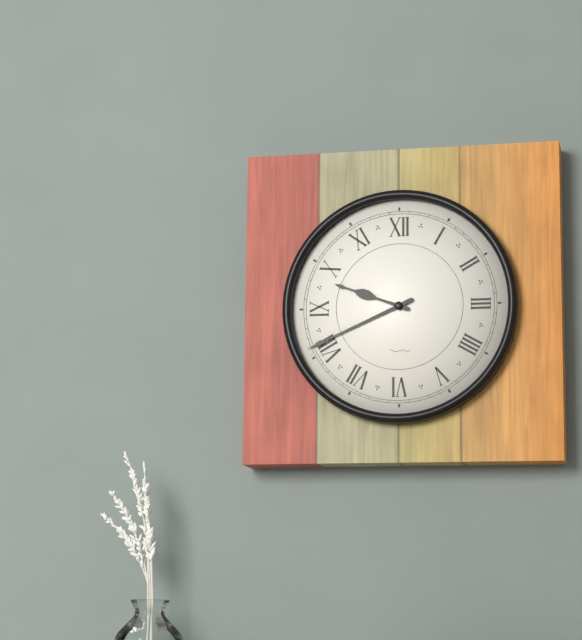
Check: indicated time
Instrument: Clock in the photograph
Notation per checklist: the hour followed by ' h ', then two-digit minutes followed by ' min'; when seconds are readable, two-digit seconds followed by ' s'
9 h 41 min
